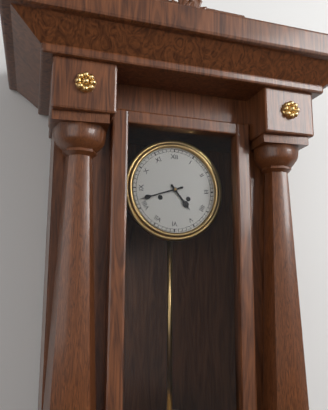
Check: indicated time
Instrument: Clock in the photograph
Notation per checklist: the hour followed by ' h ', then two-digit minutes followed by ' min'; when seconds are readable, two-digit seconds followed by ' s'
4 h 42 min
